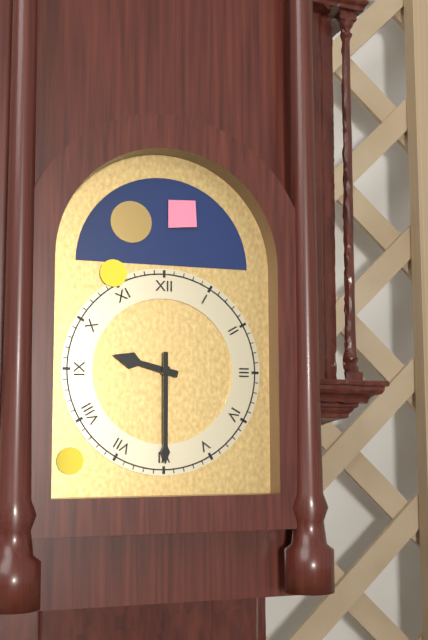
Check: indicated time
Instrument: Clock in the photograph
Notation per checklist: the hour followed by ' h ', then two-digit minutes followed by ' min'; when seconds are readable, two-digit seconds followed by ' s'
9 h 30 min
